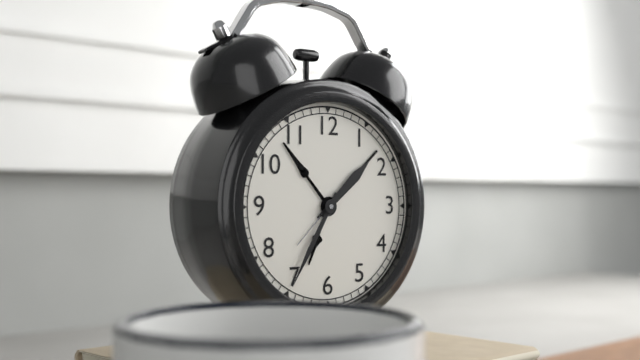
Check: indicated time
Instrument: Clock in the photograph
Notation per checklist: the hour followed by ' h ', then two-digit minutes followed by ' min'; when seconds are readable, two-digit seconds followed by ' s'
1 h 35 min
